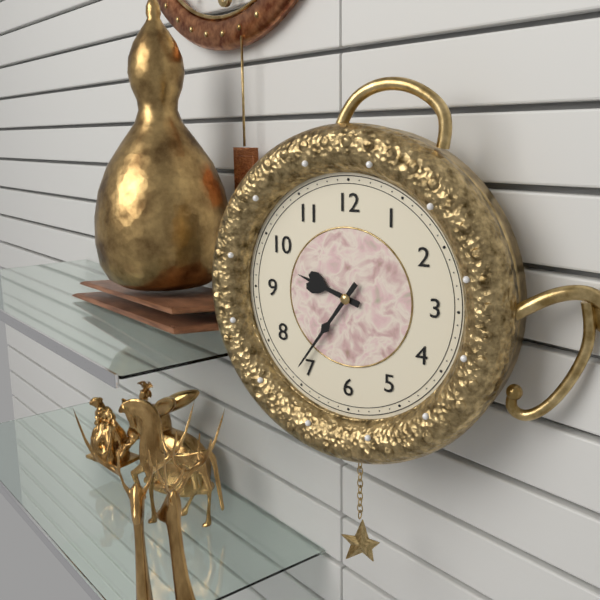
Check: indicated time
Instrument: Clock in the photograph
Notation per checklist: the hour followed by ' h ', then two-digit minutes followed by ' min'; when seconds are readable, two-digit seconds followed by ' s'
9 h 36 min
